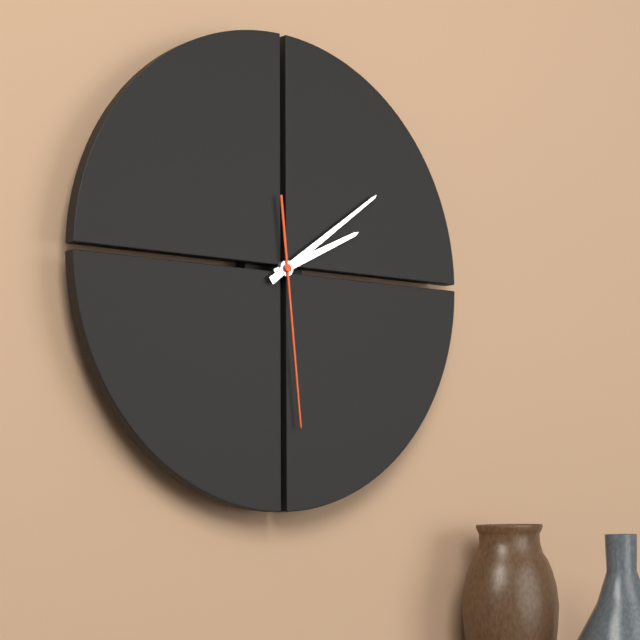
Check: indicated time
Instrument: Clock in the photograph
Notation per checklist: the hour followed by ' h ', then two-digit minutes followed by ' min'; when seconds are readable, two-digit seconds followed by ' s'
2 h 09 min 29 s
